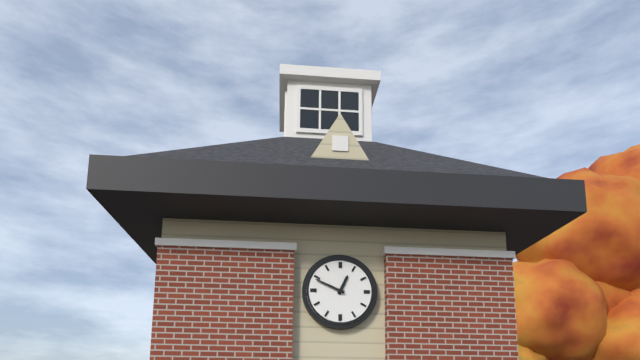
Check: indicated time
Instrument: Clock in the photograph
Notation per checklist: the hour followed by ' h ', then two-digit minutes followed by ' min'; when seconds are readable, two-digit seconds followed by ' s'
12 h 49 min
